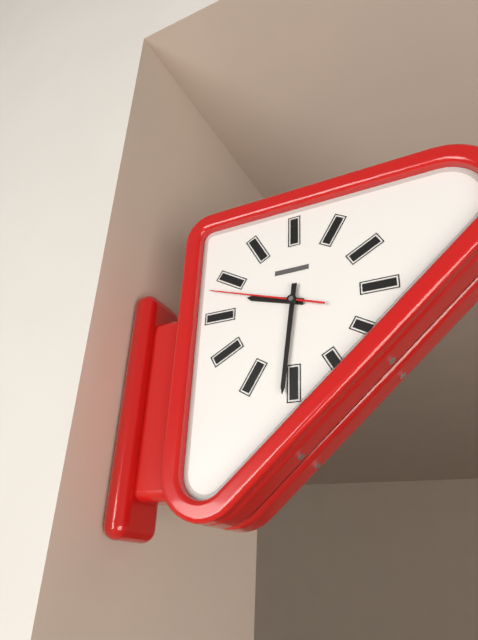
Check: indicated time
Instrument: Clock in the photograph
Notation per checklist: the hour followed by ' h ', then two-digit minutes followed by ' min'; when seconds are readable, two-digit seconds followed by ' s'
9 h 31 min 48 s
